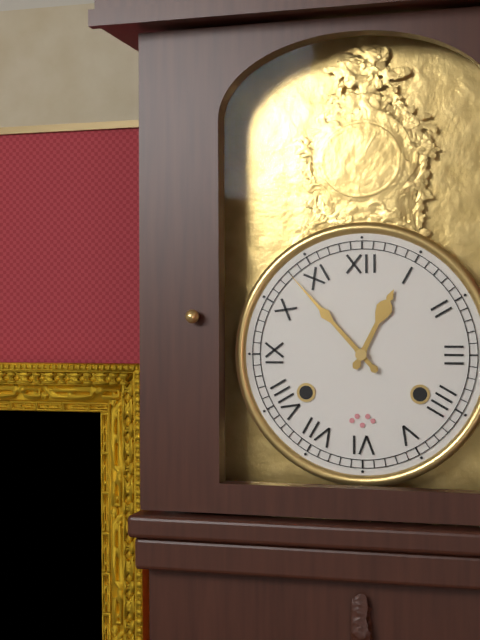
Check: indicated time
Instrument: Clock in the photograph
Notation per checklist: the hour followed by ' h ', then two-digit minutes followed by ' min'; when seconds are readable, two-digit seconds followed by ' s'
12 h 53 min
